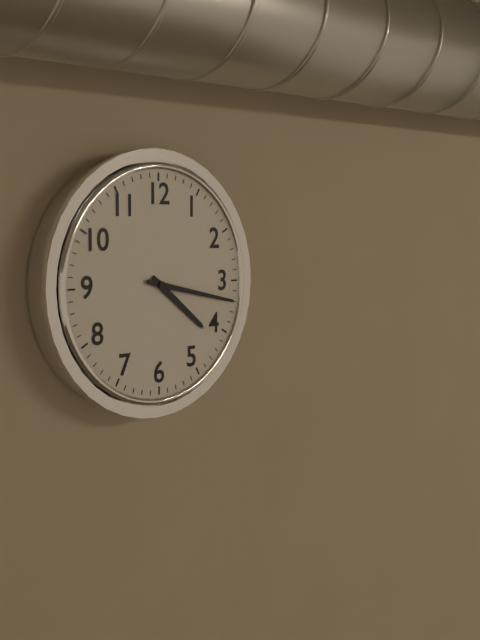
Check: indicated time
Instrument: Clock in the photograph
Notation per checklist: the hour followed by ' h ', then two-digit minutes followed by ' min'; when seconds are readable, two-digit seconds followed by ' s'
4 h 17 min
